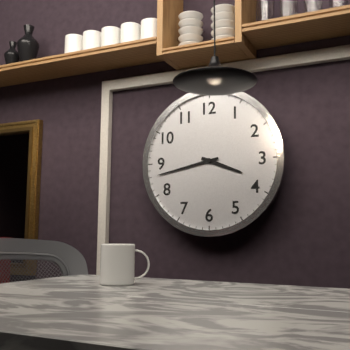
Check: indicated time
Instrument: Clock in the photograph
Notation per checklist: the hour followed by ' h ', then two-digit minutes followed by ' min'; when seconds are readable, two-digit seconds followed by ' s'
3 h 43 min
